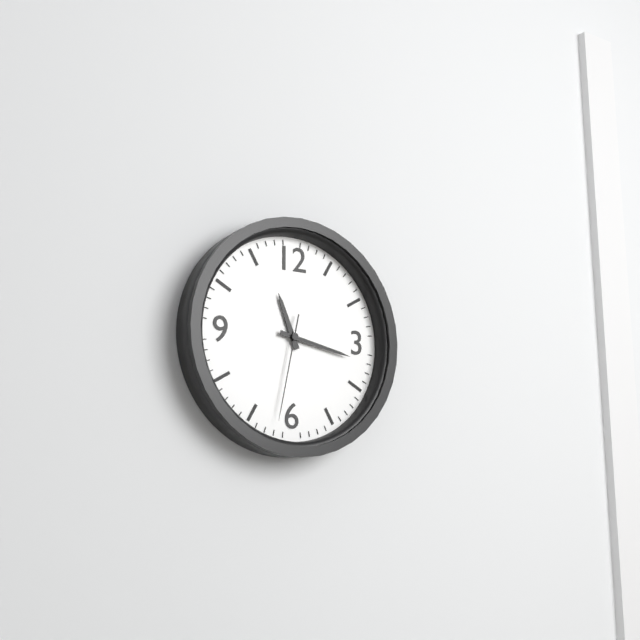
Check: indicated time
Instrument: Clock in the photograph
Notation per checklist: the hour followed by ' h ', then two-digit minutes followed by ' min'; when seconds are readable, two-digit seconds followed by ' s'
11 h 17 min 32 s
